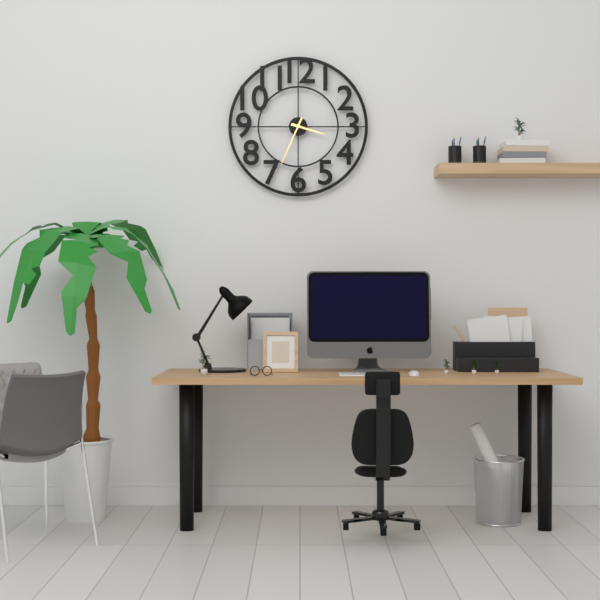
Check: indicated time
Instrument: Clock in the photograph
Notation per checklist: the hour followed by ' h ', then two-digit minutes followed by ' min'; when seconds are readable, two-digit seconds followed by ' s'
3 h 34 min
